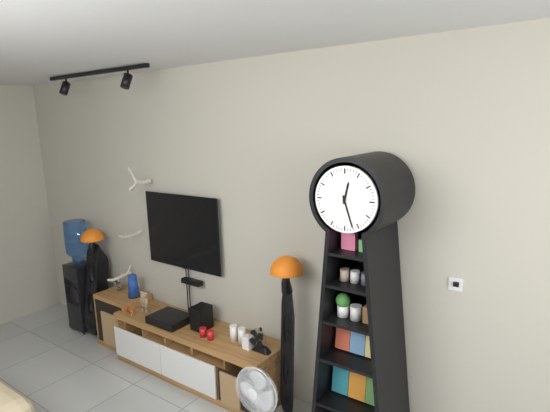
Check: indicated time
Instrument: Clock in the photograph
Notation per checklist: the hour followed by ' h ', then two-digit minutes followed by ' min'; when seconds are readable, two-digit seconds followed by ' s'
12 h 27 min
